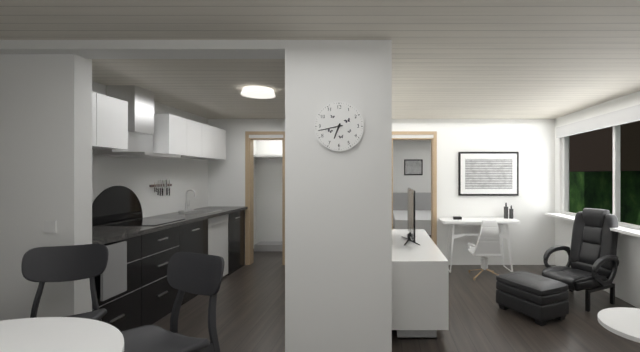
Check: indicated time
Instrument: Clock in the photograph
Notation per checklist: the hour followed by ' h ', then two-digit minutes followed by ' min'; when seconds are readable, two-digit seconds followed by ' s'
6 h 43 min
